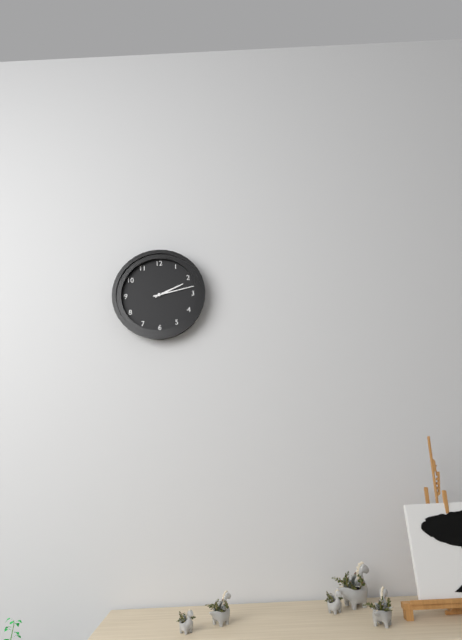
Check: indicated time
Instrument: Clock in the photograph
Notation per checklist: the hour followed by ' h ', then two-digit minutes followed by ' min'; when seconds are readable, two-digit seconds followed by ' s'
2 h 13 min
